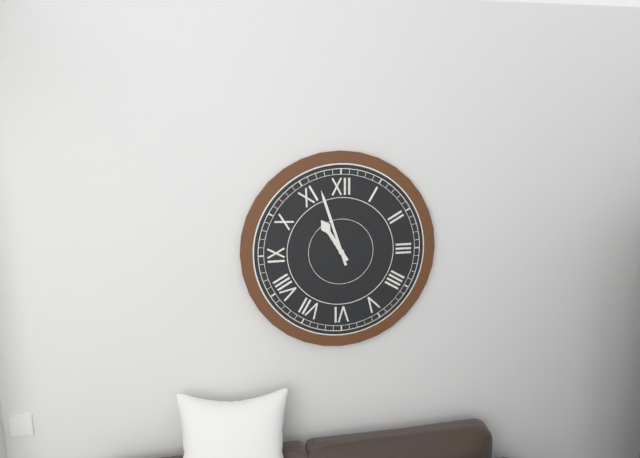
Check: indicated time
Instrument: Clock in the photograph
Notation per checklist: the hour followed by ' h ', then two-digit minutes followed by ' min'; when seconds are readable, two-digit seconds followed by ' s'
10 h 57 min
